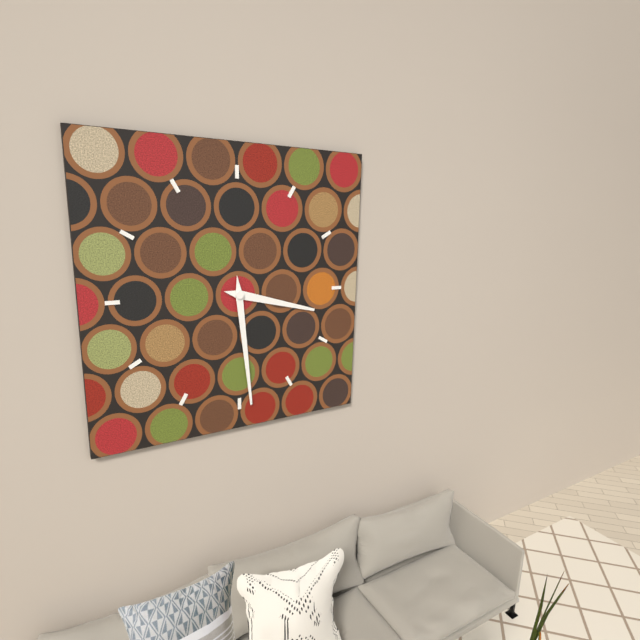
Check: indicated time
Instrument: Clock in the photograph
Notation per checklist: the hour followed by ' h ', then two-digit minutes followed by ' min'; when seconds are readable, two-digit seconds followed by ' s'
3 h 29 min
